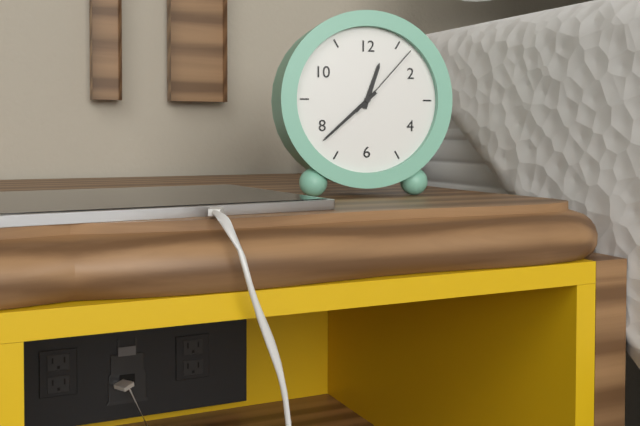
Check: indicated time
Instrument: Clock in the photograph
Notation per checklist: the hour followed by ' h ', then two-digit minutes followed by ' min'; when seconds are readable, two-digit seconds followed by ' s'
12 h 38 min 07 s
